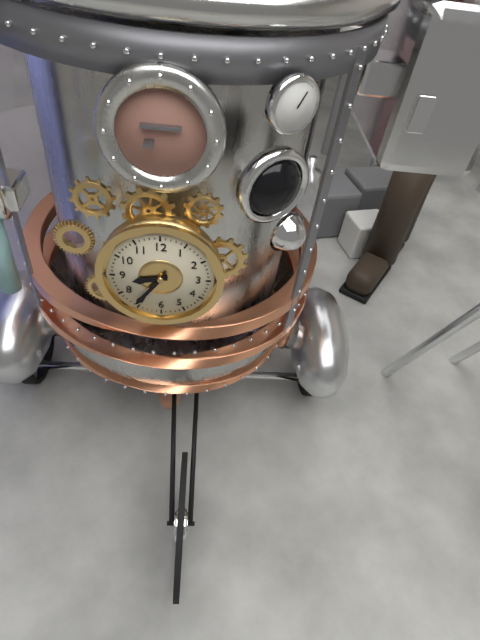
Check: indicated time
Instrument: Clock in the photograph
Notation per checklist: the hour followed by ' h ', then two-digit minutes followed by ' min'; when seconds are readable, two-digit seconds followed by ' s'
8 h 36 min
